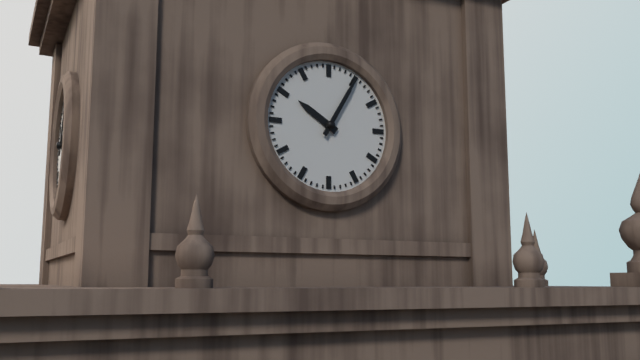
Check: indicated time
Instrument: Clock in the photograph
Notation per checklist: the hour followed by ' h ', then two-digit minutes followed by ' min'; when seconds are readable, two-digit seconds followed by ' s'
10 h 05 min
